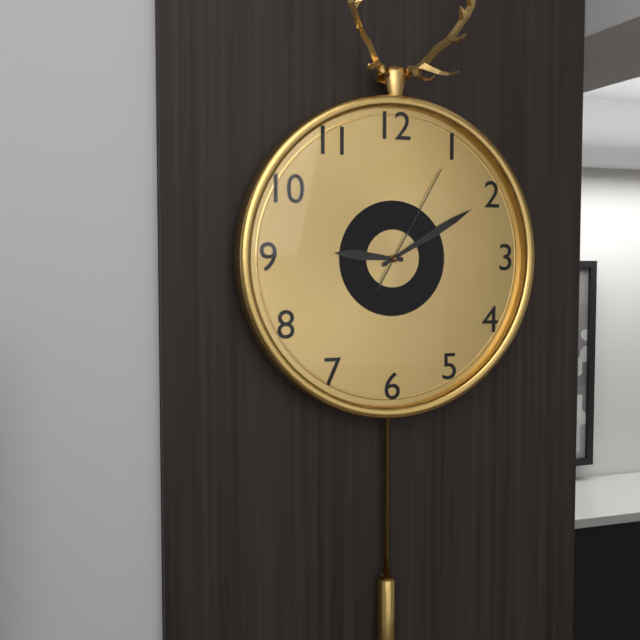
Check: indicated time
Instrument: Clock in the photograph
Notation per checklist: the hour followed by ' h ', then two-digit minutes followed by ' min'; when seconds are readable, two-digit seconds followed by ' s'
9 h 10 min 05 s
